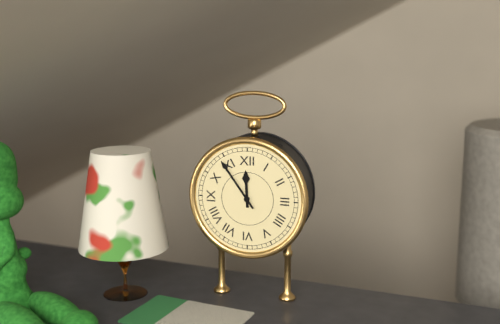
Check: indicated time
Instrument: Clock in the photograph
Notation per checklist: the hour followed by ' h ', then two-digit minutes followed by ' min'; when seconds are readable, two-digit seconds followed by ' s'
11 h 54 min
